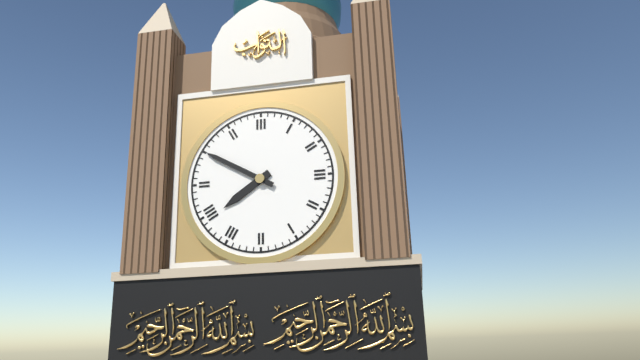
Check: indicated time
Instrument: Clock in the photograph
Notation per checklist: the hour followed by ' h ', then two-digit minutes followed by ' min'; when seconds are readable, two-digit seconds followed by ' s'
7 h 50 min
